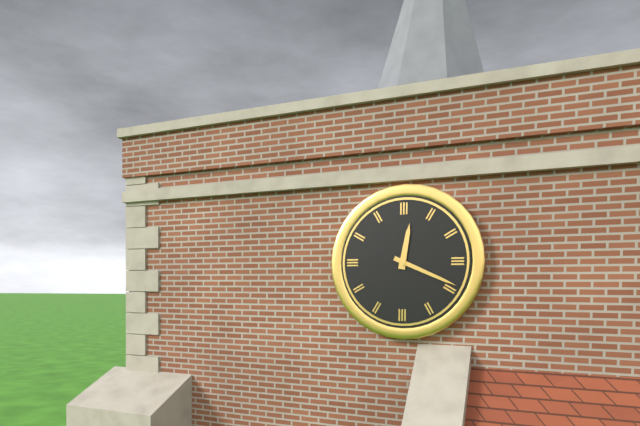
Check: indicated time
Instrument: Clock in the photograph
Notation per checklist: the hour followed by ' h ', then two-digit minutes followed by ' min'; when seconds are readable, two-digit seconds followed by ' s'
12 h 19 min
